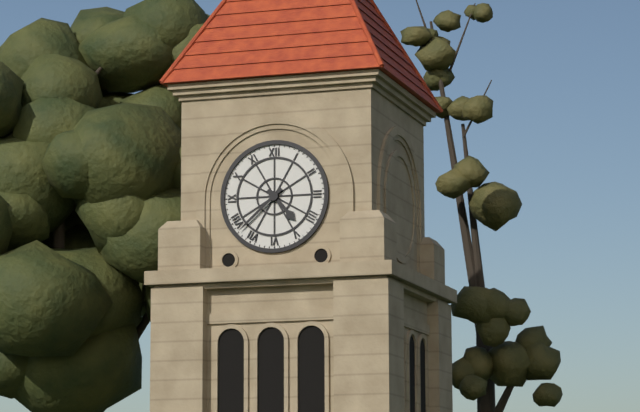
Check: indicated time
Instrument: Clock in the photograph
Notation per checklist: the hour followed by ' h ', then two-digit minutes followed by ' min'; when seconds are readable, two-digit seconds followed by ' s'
4 h 38 min
